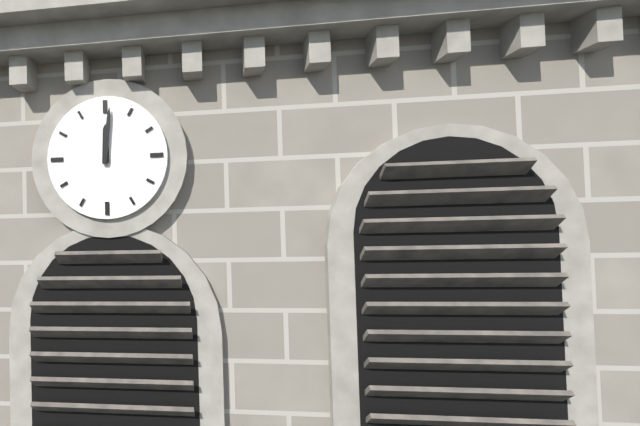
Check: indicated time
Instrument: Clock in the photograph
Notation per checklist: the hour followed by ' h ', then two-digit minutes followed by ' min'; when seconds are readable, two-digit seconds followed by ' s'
12 h 01 min
